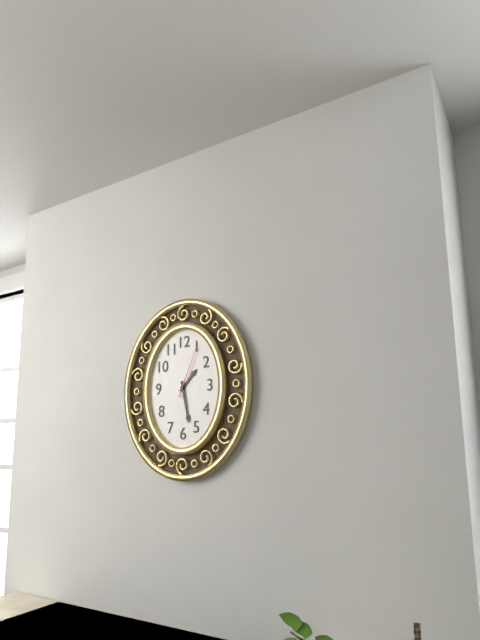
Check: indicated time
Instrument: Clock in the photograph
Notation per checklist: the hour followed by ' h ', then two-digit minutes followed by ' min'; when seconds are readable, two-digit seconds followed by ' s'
1 h 28 min 04 s
